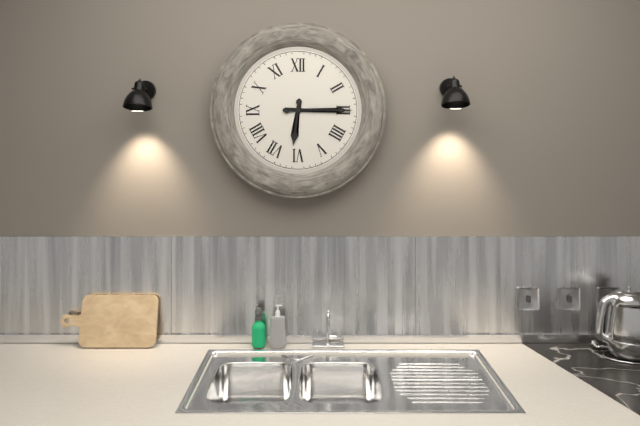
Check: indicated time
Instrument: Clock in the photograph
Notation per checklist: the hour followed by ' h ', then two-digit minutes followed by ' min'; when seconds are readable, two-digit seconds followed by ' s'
6 h 15 min
